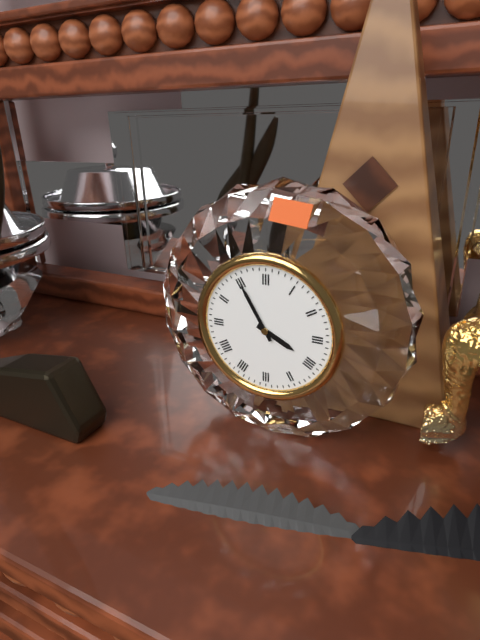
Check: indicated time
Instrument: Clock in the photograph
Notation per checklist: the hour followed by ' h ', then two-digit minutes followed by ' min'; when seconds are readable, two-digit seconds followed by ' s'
3 h 55 min
